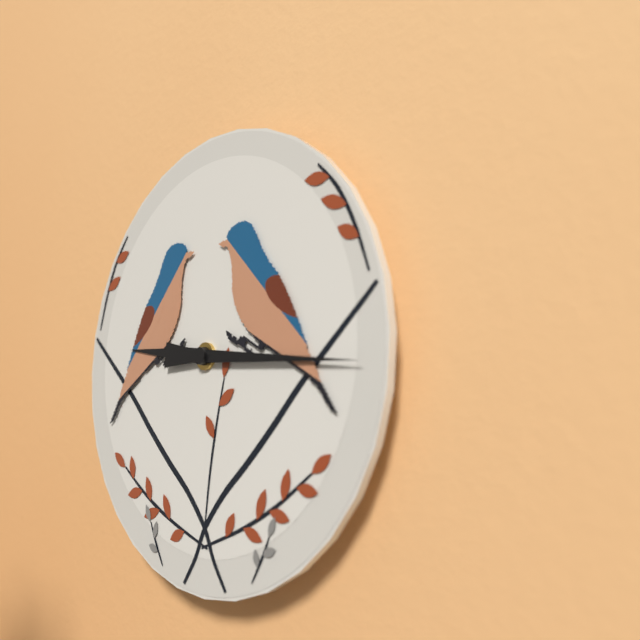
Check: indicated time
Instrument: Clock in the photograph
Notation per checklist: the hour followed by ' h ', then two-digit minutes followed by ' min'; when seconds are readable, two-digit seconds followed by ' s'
9 h 16 min
